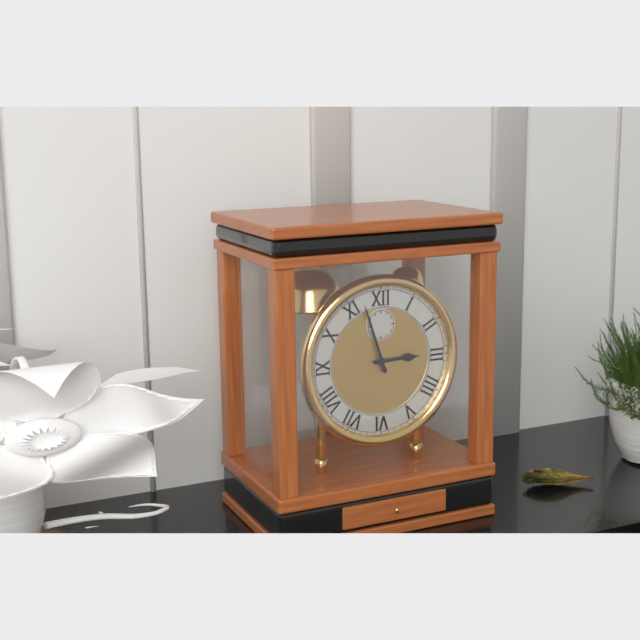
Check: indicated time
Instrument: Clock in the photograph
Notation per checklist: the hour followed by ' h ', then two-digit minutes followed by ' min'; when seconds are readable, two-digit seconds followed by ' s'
2 h 57 min
